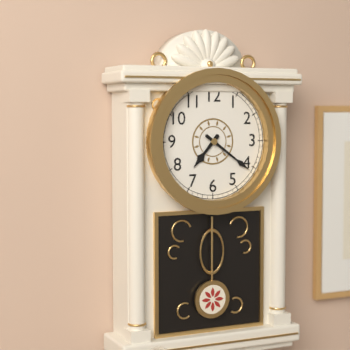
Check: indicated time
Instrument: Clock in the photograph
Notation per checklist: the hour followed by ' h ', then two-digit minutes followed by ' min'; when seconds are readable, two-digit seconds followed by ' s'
7 h 21 min
